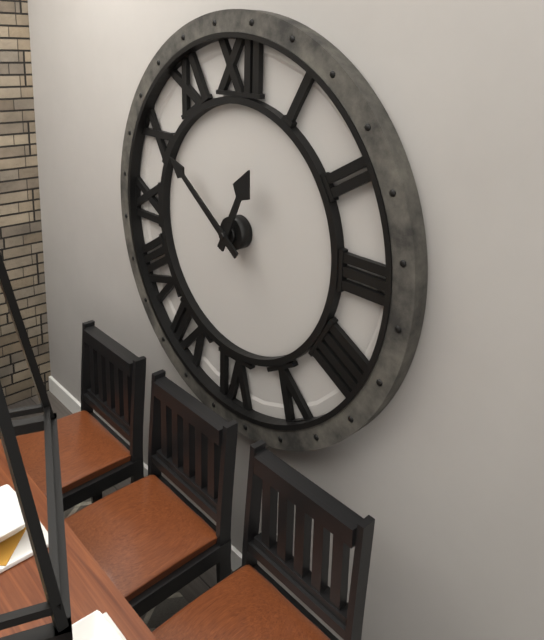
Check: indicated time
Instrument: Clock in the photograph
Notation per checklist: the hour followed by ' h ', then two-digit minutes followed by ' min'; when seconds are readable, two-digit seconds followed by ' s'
12 h 51 min
